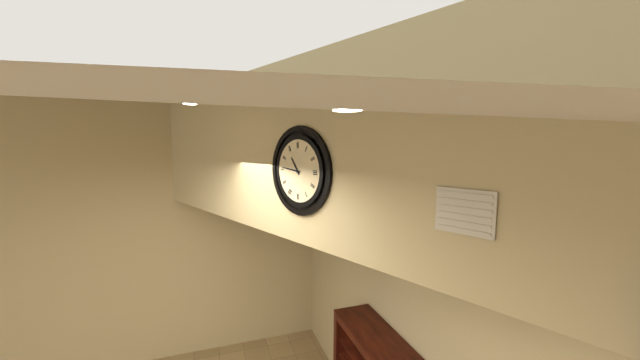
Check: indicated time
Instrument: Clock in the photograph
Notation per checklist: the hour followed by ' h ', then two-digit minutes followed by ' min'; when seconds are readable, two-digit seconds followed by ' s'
10 h 46 min
